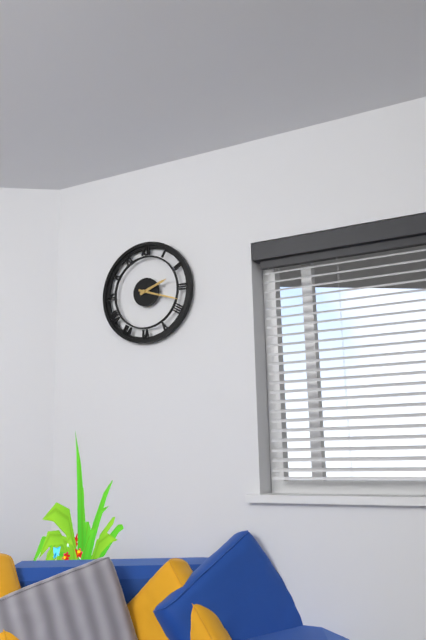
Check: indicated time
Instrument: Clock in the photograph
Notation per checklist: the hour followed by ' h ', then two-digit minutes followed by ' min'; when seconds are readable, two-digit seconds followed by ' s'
2 h 18 min
